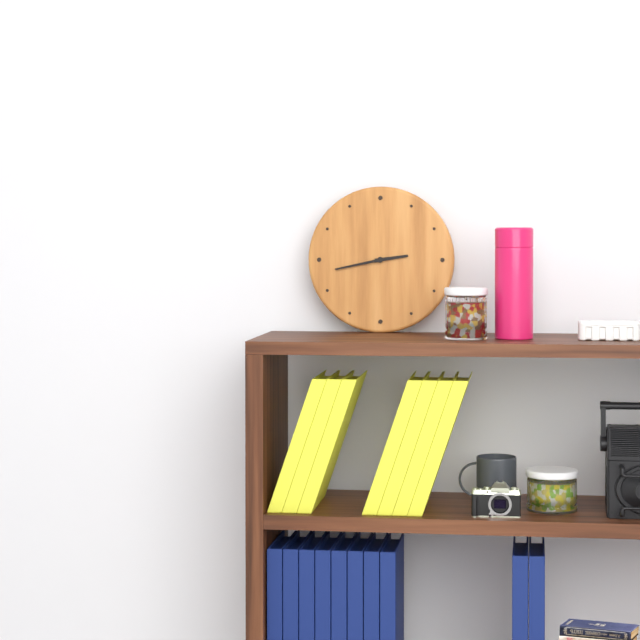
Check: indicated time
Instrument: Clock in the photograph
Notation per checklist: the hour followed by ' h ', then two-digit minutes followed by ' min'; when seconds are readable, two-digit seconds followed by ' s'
2 h 43 min
